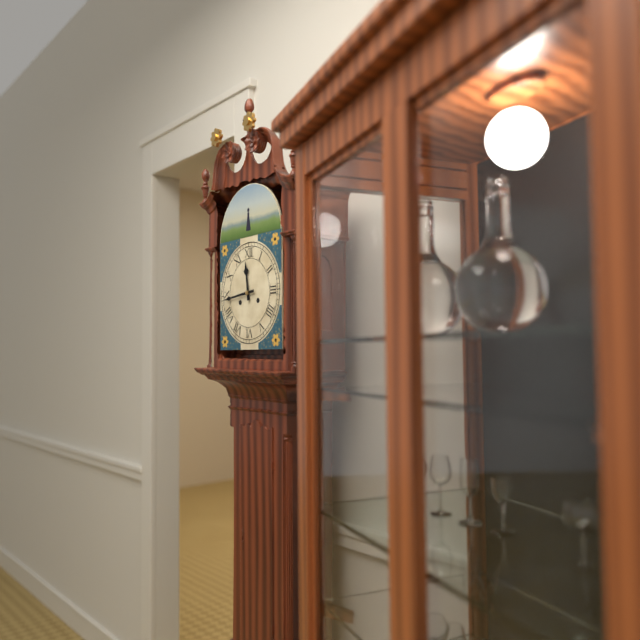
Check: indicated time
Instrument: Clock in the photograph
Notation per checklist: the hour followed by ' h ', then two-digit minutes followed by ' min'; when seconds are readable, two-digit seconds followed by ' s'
11 h 44 min
